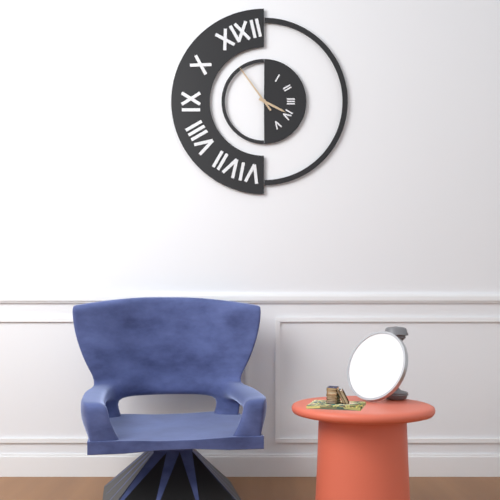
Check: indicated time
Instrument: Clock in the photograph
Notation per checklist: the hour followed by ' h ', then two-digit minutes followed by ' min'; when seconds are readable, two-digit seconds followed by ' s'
3 h 54 min
